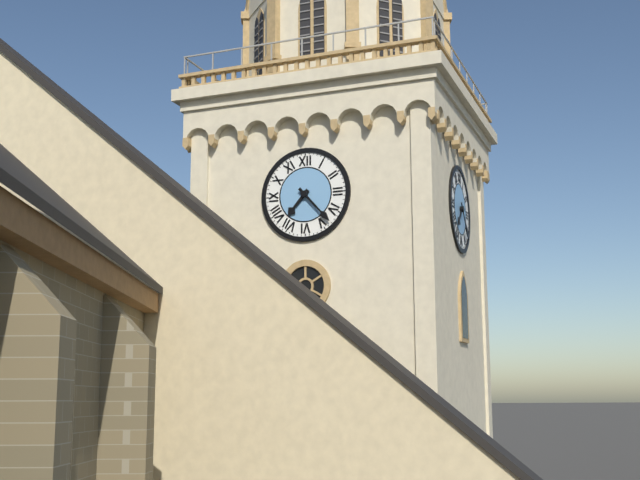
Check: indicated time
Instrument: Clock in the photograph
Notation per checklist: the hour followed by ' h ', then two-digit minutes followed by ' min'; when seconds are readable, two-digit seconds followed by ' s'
7 h 23 min
